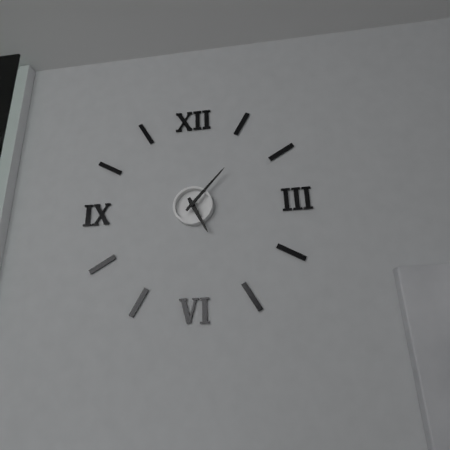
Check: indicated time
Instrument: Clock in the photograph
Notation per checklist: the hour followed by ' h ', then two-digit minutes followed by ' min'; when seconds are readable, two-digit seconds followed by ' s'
5 h 07 min
